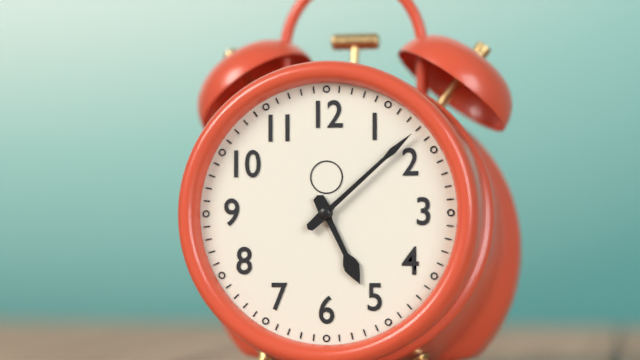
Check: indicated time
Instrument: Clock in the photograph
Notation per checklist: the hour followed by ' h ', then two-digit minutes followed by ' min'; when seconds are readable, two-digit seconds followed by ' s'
5 h 08 min
